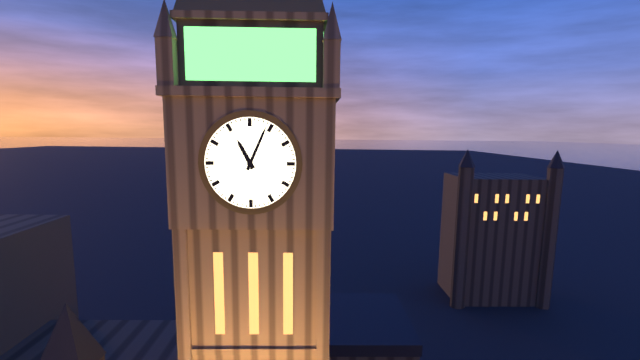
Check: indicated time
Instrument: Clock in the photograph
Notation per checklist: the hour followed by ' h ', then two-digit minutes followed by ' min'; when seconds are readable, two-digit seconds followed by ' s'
11 h 04 min
